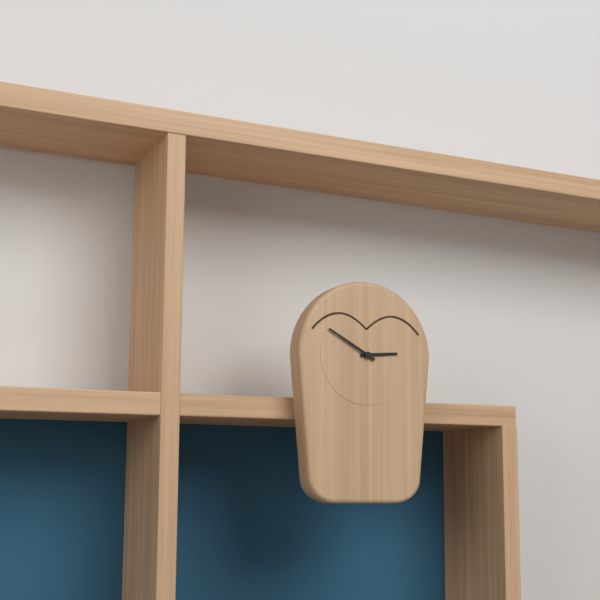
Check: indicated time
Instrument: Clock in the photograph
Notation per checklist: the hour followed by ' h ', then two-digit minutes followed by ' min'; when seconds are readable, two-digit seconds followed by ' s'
2 h 50 min
